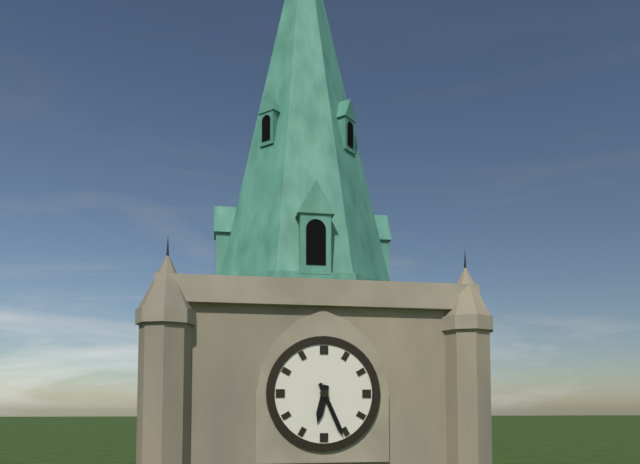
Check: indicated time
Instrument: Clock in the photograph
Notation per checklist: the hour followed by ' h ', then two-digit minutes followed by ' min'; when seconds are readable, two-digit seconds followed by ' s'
6 h 26 min
